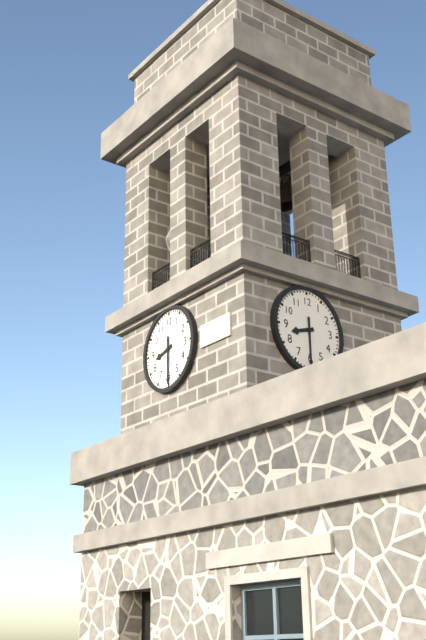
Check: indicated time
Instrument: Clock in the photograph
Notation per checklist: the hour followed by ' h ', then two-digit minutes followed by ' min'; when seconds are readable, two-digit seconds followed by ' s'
8 h 30 min
